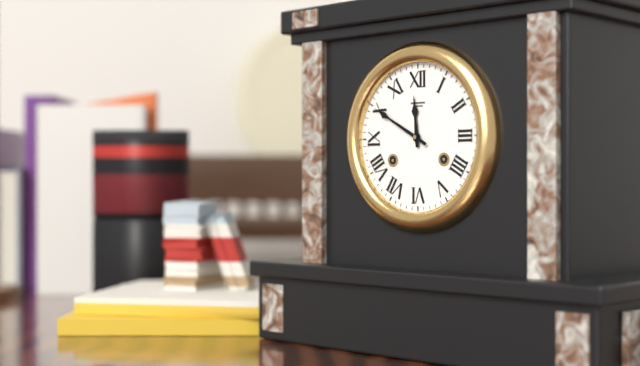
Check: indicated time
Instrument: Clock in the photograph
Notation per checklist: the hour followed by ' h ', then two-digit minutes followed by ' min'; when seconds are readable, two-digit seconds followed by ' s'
11 h 50 min
